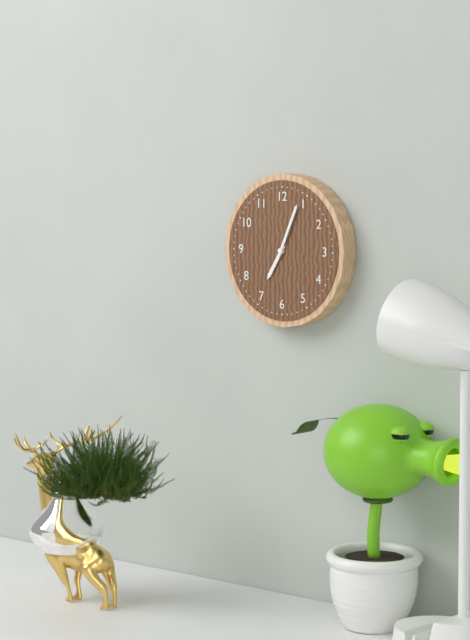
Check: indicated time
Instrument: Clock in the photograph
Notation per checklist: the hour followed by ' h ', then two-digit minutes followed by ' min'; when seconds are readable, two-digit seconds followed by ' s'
7 h 04 min
